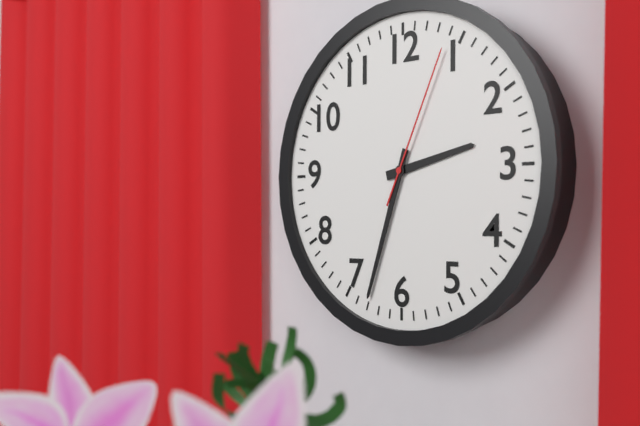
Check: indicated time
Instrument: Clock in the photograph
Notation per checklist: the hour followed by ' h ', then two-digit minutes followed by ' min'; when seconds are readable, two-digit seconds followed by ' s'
2 h 33 min 04 s
